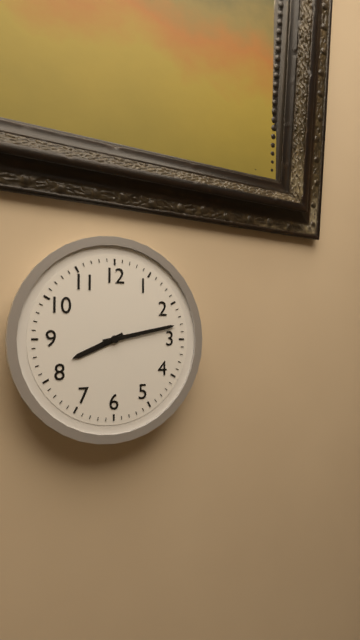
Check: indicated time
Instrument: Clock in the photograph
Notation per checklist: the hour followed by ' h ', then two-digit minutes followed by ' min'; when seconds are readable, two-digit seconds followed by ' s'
8 h 13 min
